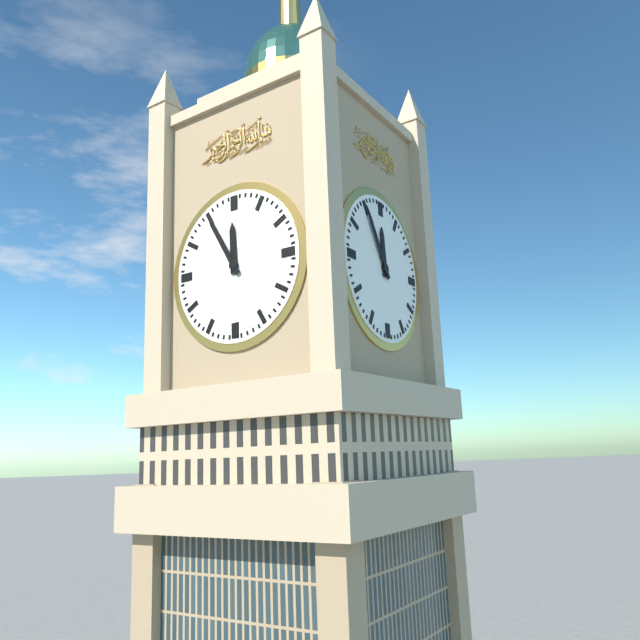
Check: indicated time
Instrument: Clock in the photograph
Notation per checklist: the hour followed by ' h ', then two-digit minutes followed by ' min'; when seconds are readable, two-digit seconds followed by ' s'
11 h 55 min
